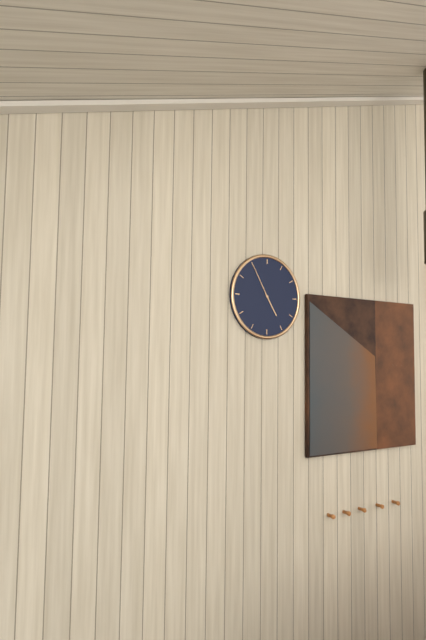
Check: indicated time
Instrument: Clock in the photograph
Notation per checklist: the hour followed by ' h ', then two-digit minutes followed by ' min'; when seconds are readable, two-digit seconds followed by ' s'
4 h 55 min
